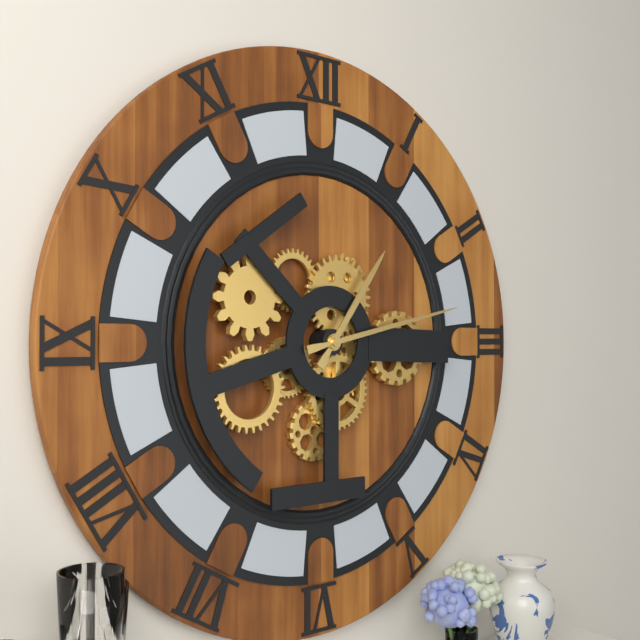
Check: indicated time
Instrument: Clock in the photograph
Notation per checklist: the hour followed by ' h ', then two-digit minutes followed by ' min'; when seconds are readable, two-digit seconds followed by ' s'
1 h 13 min
